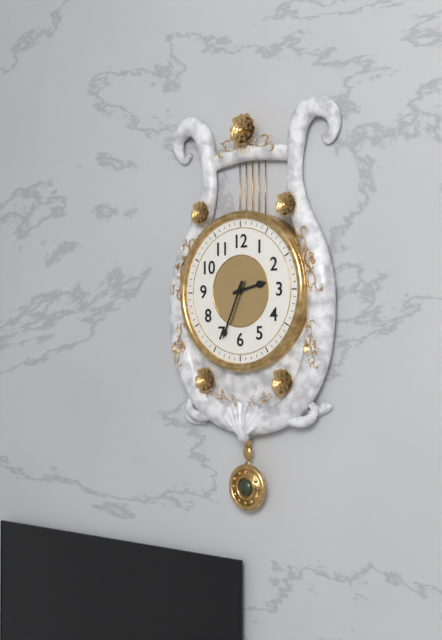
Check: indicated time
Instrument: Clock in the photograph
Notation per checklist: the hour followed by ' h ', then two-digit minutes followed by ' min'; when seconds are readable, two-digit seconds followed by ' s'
2 h 34 min
